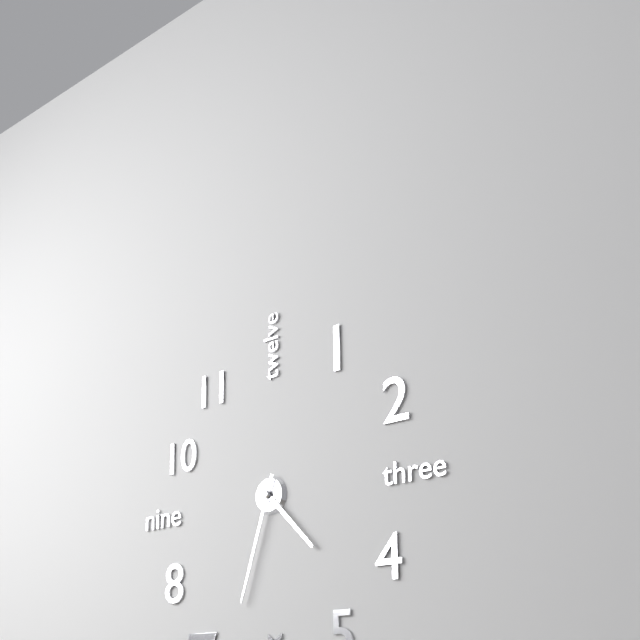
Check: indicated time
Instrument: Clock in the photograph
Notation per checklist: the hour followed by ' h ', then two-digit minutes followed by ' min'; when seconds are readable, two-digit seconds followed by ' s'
4 h 33 min
